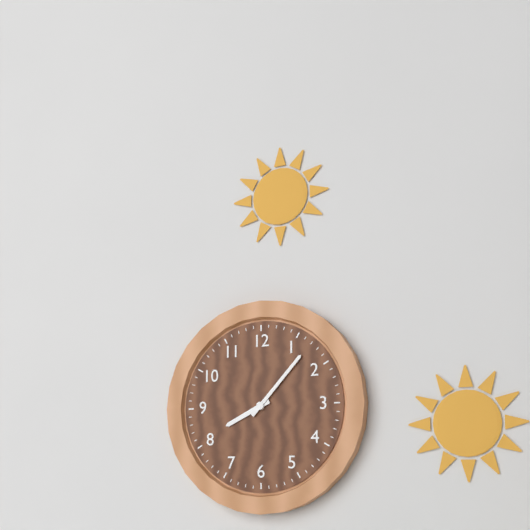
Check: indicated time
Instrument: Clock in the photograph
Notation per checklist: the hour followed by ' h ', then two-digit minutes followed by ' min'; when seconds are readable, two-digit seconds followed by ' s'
8 h 07 min
